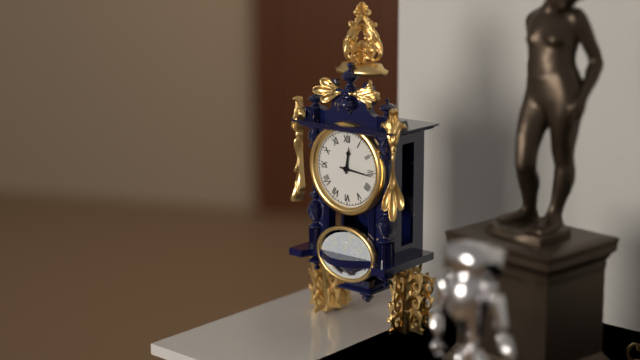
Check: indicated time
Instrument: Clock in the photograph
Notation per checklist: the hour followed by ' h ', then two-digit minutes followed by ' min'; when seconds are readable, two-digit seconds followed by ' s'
12 h 16 min
